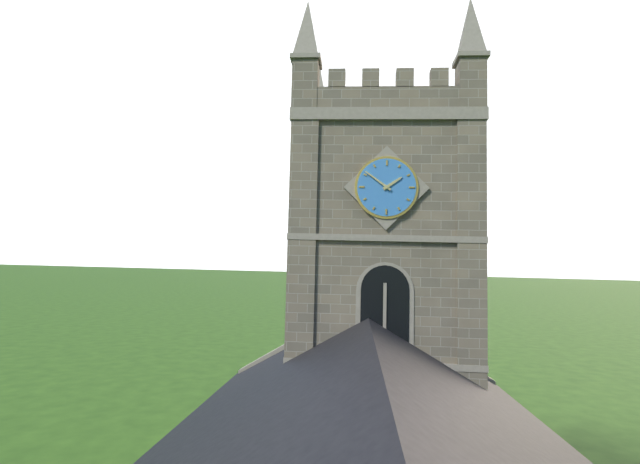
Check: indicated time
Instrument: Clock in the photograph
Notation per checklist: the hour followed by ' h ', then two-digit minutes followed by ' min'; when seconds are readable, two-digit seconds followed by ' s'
1 h 51 min
